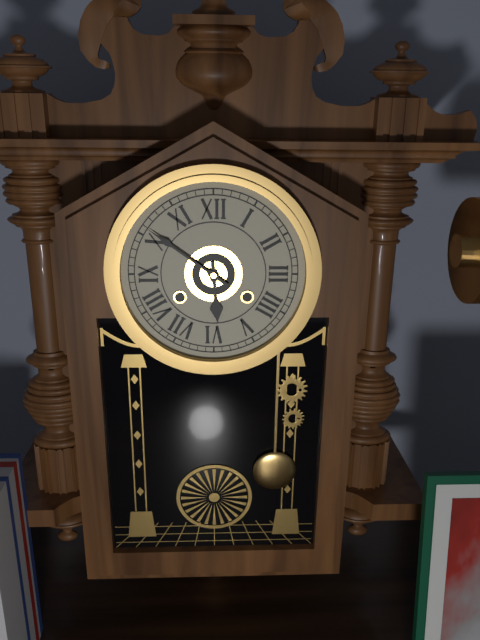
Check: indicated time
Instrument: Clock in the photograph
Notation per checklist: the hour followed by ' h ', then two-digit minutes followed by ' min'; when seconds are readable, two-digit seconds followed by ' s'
5 h 51 min
